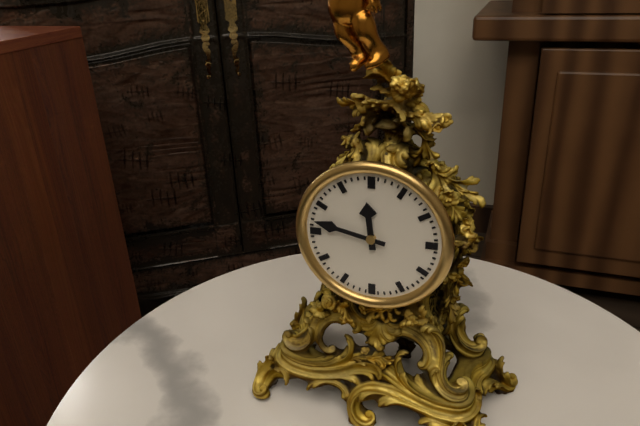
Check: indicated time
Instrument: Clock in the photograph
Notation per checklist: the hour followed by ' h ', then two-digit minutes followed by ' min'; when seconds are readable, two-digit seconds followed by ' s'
11 h 47 min
